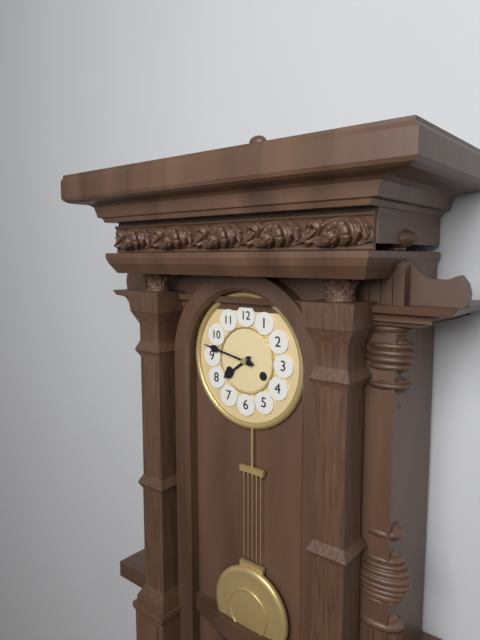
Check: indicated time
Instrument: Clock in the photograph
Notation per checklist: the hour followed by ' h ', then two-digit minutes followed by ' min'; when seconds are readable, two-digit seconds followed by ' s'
7 h 47 min
